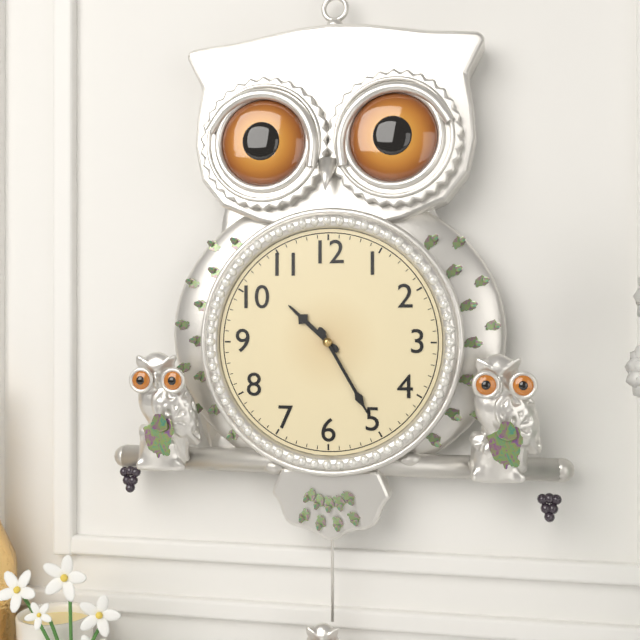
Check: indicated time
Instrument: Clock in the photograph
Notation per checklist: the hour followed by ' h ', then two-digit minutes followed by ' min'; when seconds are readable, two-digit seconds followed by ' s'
10 h 25 min
